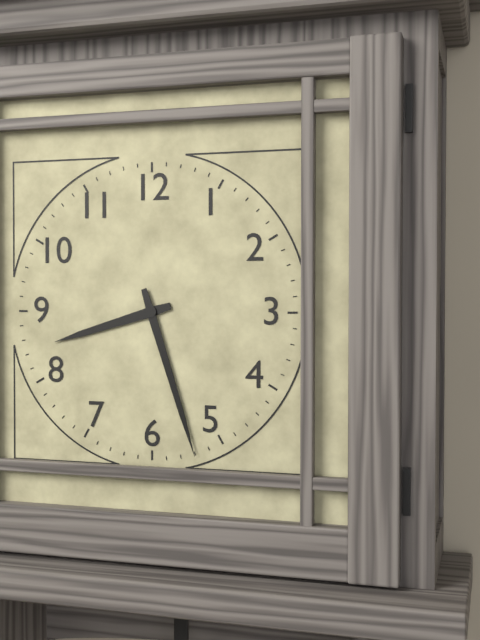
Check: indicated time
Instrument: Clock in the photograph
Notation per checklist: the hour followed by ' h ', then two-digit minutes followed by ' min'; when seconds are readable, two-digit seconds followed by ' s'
8 h 27 min
